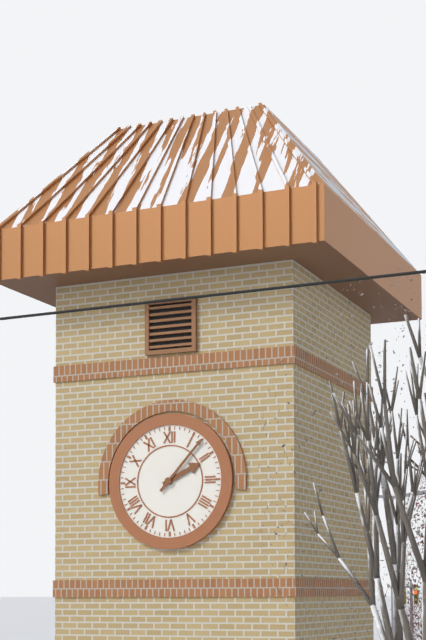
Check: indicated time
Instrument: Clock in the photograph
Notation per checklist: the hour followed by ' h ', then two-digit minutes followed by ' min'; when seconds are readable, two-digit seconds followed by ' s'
2 h 07 min
